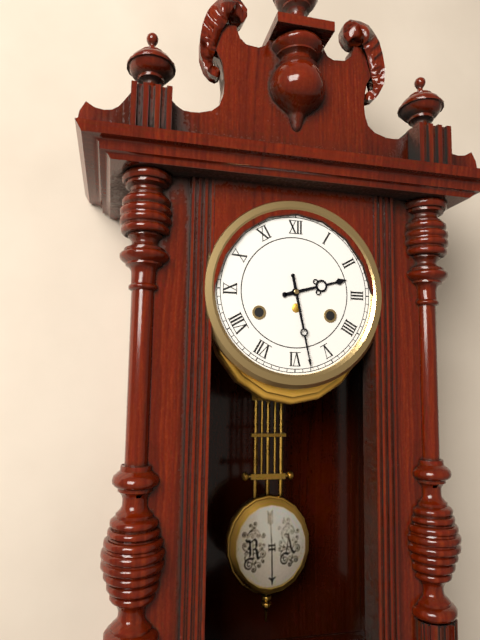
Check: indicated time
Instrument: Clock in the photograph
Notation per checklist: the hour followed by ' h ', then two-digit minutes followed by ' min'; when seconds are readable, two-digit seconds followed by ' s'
2 h 28 min
